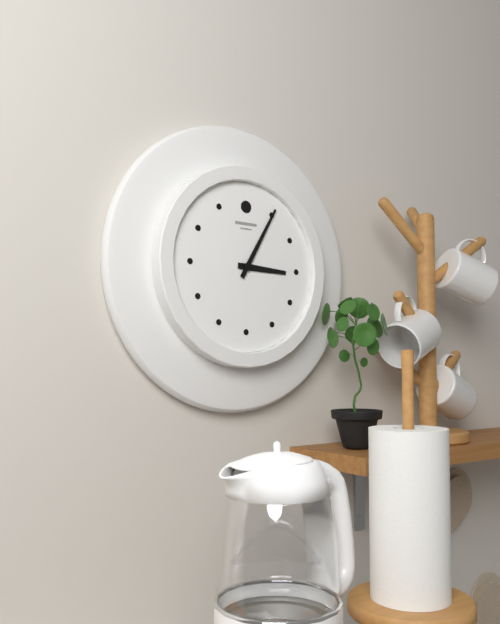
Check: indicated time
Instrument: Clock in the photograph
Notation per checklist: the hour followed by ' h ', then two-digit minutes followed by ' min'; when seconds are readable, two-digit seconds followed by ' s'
3 h 05 min
